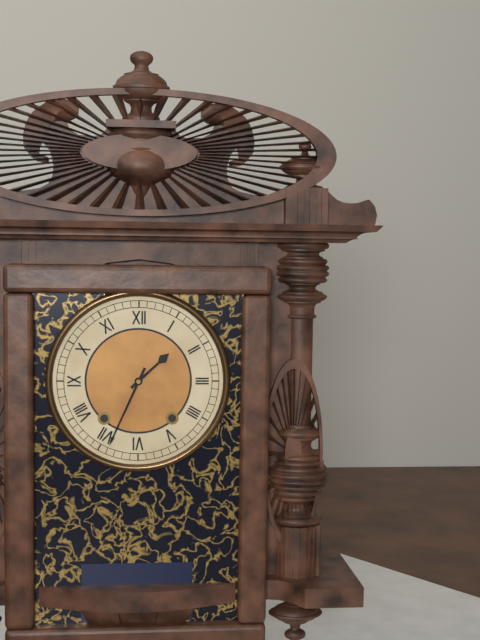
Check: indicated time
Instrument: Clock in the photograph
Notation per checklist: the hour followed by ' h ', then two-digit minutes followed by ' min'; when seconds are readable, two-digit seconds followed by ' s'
1 h 34 min
